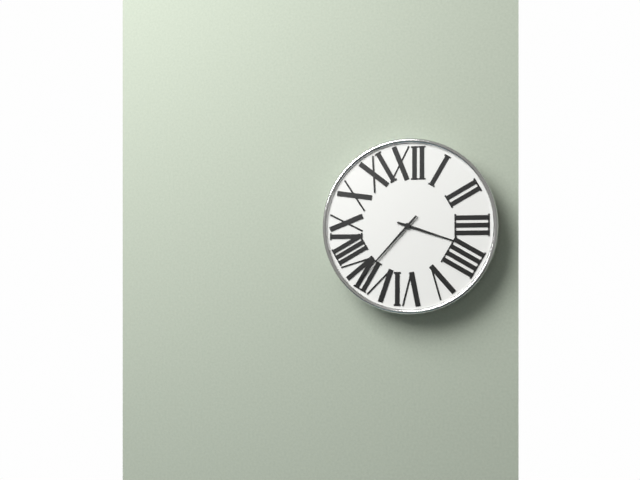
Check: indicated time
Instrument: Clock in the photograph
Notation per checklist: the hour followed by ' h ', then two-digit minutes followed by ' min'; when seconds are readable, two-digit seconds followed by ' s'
3 h 37 min
